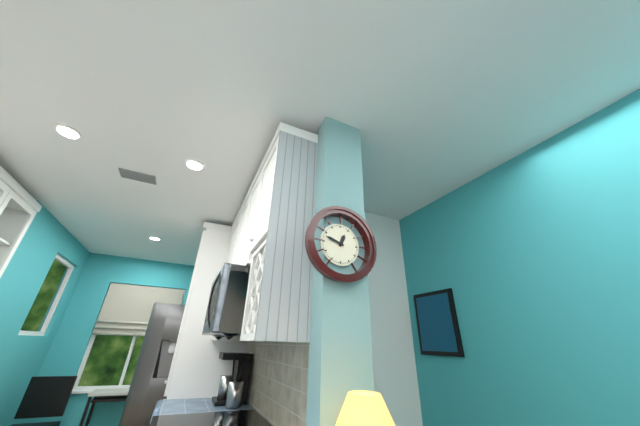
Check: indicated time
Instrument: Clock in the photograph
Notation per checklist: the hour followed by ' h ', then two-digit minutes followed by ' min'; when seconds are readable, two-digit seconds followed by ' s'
12 h 48 min
